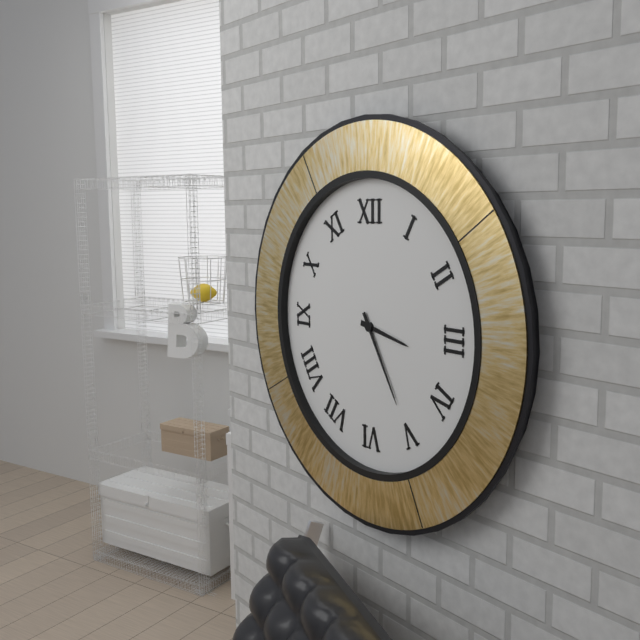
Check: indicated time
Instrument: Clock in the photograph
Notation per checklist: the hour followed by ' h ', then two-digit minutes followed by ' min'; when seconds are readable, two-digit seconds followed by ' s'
3 h 25 min
